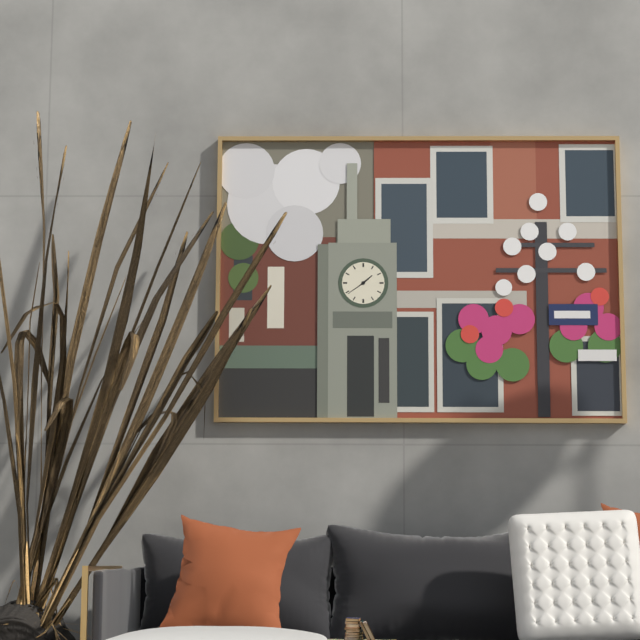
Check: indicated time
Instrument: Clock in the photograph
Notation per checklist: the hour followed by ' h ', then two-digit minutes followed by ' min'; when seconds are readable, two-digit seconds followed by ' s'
1 h 39 min
